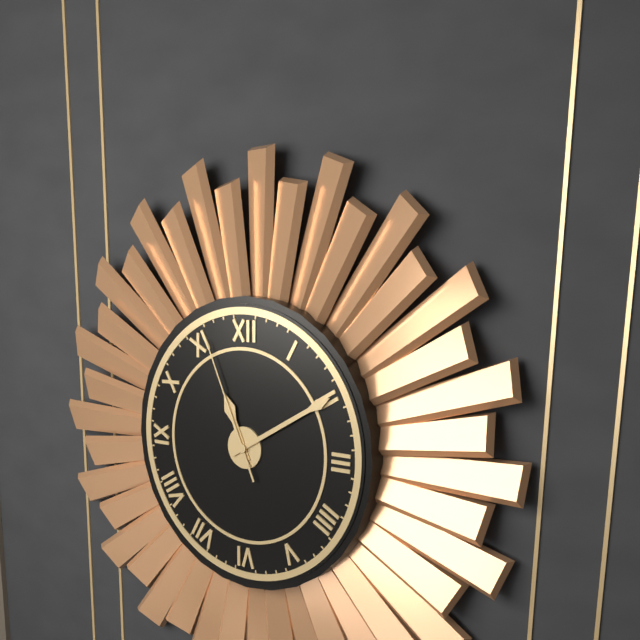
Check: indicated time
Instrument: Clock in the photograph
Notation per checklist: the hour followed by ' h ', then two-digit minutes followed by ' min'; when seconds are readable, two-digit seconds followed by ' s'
11 h 10 min 56 s
